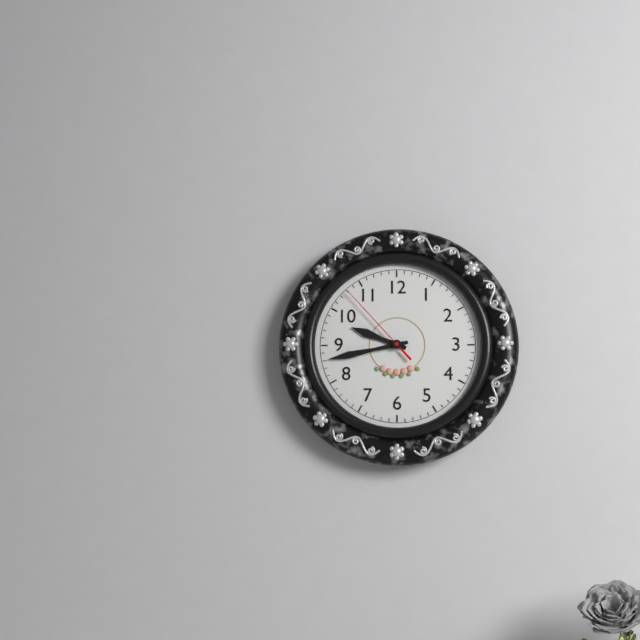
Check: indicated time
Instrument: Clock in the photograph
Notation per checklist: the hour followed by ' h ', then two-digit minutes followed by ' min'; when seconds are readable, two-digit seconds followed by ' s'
9 h 43 min 53 s
